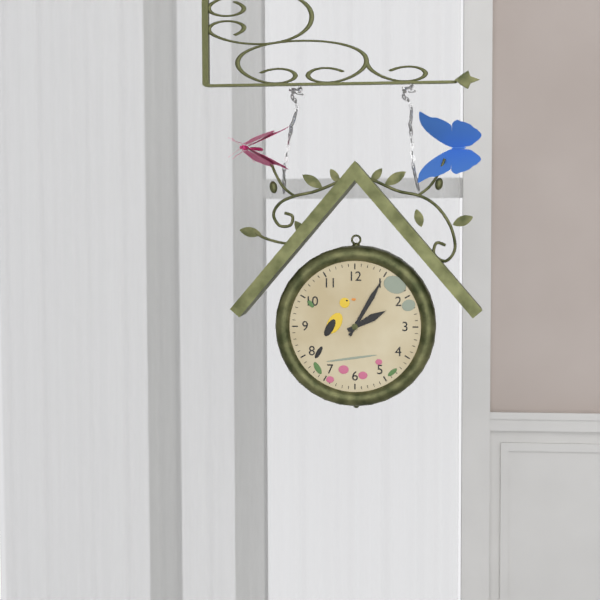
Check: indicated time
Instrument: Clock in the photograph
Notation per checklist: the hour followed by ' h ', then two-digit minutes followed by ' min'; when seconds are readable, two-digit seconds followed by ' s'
2 h 05 min
